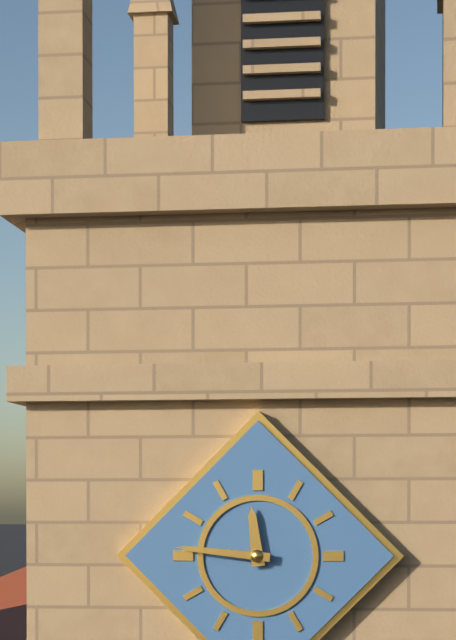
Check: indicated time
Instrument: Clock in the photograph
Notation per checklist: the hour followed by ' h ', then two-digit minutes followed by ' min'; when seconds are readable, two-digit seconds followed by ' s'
11 h 46 min
